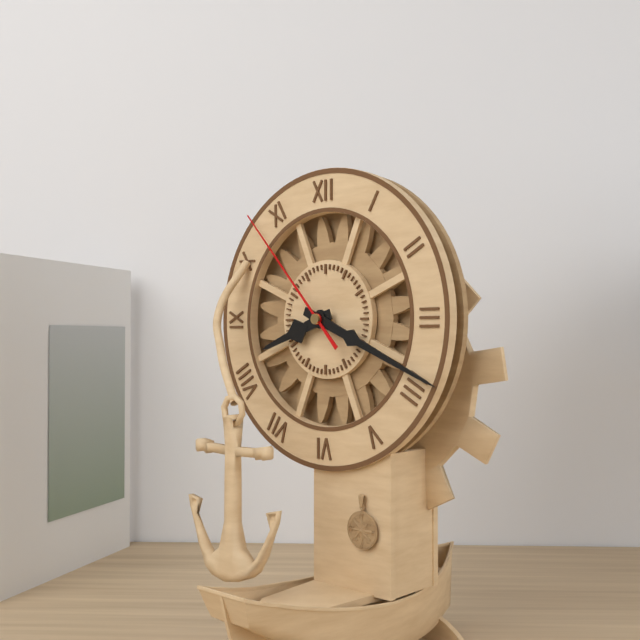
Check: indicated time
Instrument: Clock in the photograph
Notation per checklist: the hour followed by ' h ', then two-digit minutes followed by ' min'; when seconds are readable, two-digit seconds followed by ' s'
8 h 19 min 53 s
